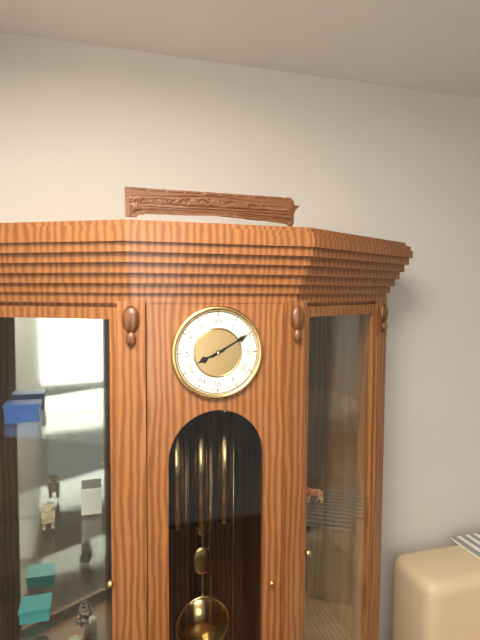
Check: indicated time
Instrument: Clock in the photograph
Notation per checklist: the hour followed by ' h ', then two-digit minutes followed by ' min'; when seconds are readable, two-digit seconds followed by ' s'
8 h 10 min
